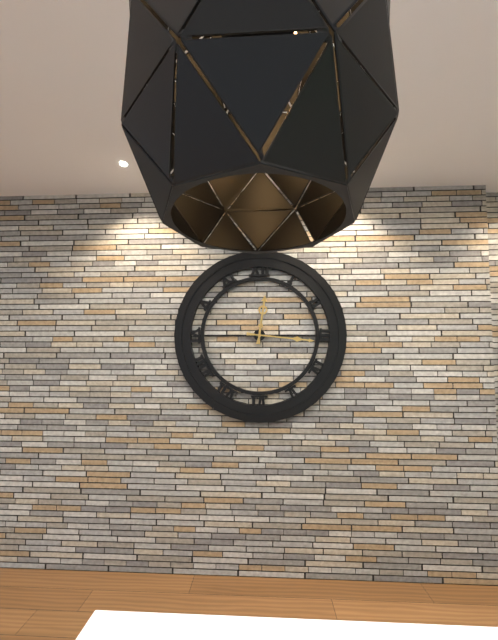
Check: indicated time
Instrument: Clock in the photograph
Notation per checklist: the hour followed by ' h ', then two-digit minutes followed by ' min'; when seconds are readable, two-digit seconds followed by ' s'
12 h 16 min
